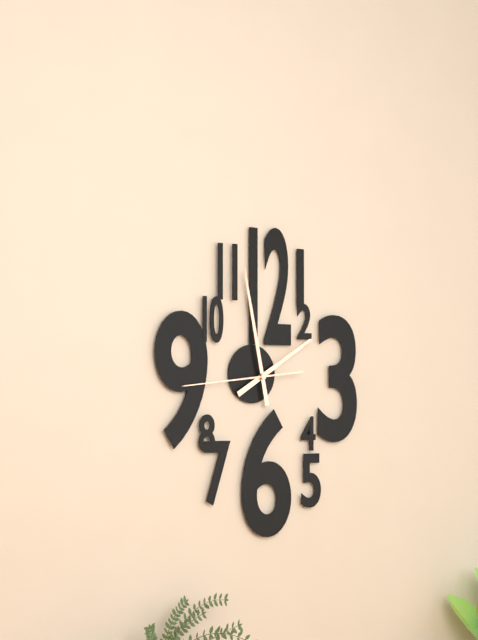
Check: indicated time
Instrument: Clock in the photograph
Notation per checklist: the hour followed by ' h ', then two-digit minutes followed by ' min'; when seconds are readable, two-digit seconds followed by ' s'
1 h 58 min 44 s
